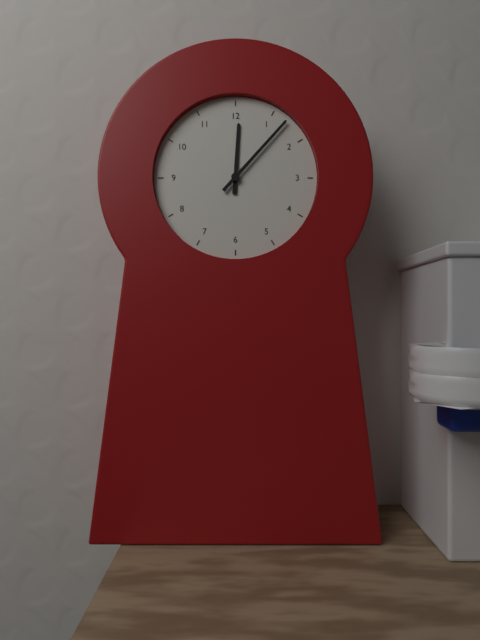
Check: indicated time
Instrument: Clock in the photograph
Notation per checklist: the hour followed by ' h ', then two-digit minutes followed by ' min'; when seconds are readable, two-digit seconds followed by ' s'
12 h 07 min
